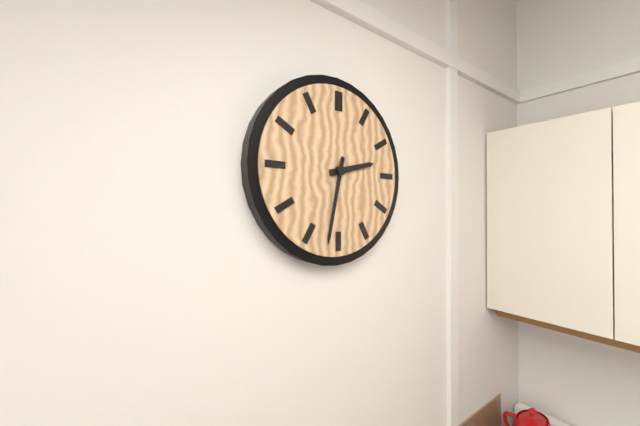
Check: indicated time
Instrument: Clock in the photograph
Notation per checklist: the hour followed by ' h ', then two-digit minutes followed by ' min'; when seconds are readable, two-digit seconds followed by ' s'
2 h 32 min
